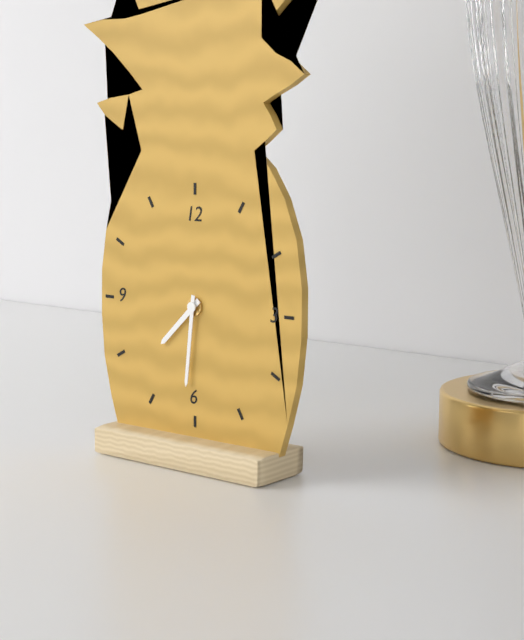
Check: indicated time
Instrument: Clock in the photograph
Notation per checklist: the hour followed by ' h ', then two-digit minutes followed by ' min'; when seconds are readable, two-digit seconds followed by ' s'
7 h 31 min
